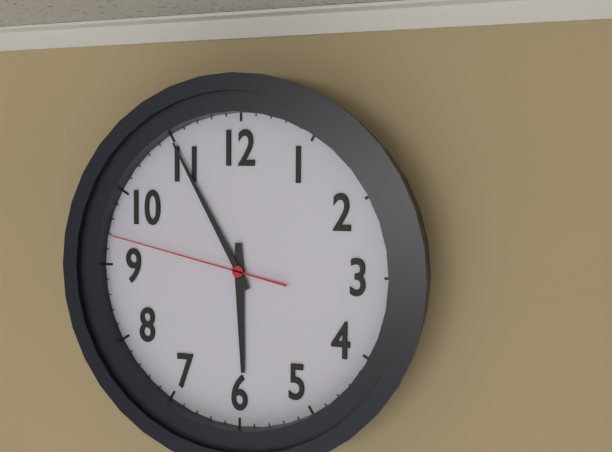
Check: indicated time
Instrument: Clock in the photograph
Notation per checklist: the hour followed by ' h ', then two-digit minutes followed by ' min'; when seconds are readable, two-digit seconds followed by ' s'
5 h 55 min 47 s
